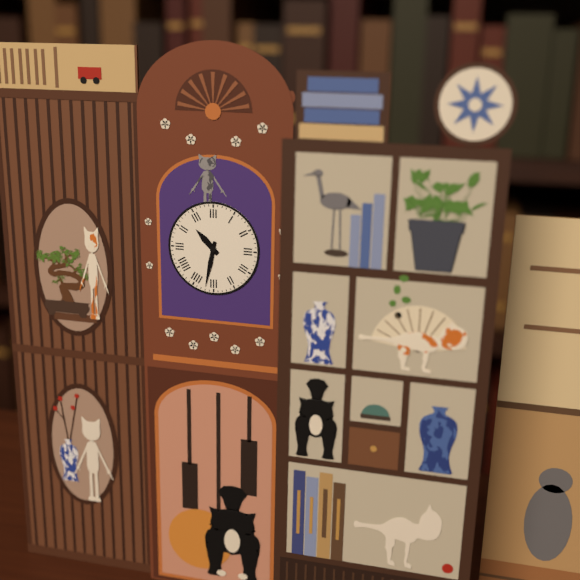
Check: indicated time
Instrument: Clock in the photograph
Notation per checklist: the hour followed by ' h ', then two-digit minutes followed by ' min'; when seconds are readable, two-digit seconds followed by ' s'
10 h 32 min
